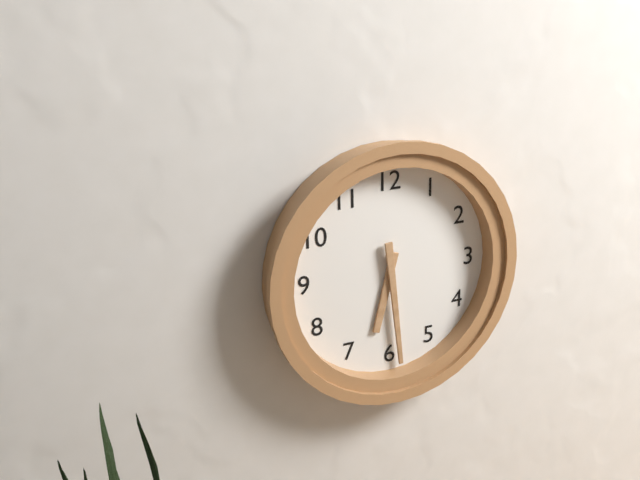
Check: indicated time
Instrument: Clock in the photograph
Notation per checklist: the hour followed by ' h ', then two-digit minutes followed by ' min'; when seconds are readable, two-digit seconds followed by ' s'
6 h 29 min
